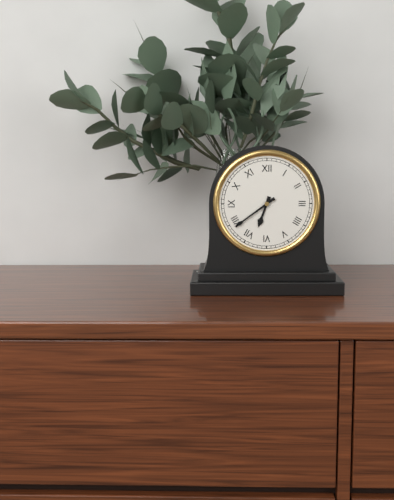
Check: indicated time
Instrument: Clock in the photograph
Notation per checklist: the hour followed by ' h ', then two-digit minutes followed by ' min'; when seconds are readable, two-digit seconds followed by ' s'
6 h 39 min
